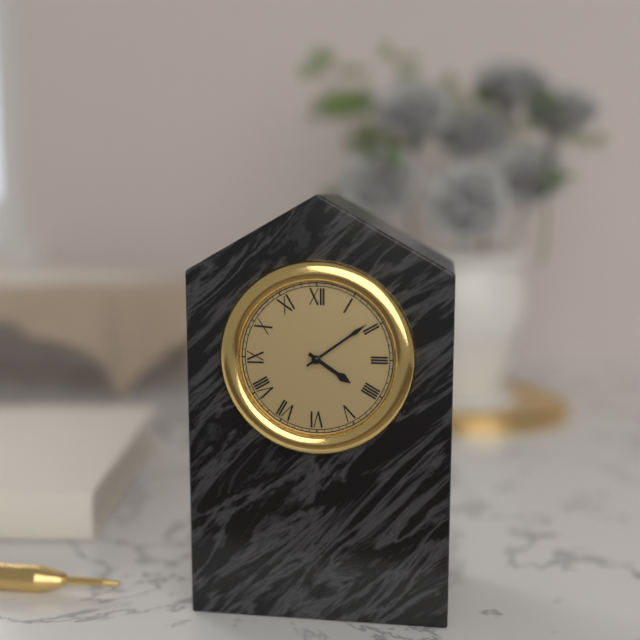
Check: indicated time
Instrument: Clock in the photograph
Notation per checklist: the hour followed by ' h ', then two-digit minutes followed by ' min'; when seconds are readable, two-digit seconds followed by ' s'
4 h 09 min
